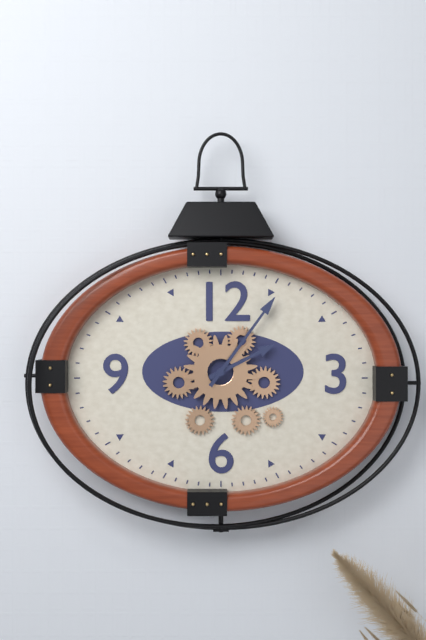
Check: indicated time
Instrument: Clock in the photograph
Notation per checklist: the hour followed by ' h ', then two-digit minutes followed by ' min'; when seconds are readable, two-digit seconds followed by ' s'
2 h 06 min
